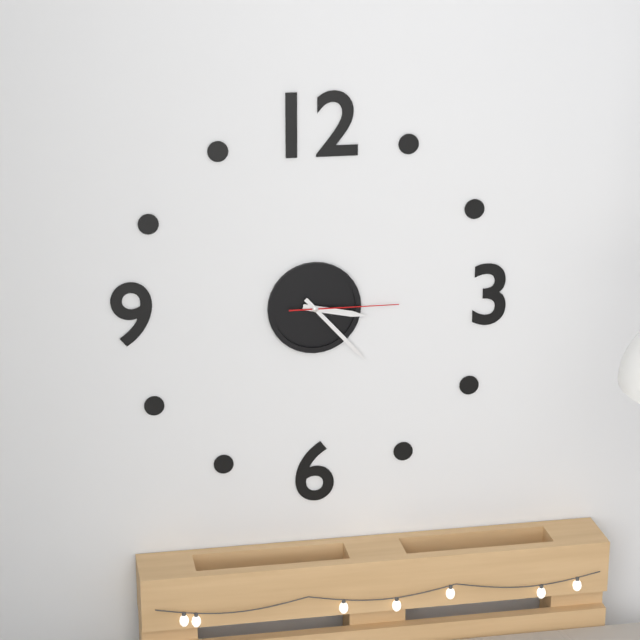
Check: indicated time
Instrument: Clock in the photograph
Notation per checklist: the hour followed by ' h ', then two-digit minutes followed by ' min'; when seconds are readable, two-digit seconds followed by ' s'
3 h 23 min 15 s
